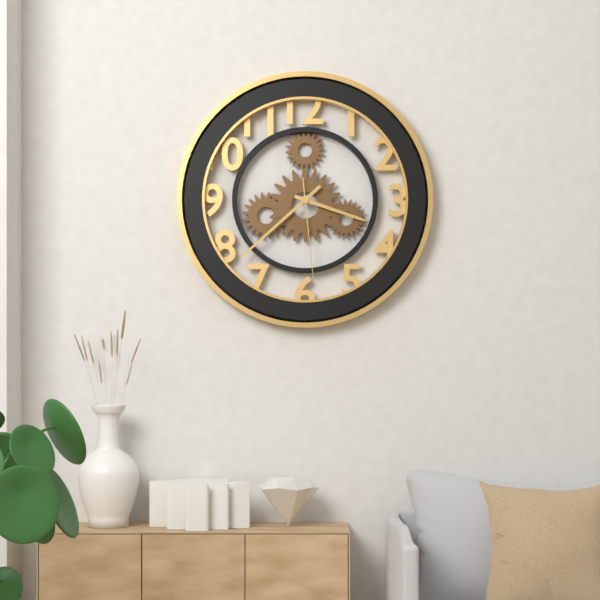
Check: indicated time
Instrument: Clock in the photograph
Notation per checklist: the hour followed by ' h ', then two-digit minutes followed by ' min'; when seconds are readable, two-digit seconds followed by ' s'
3 h 38 min 29 s
